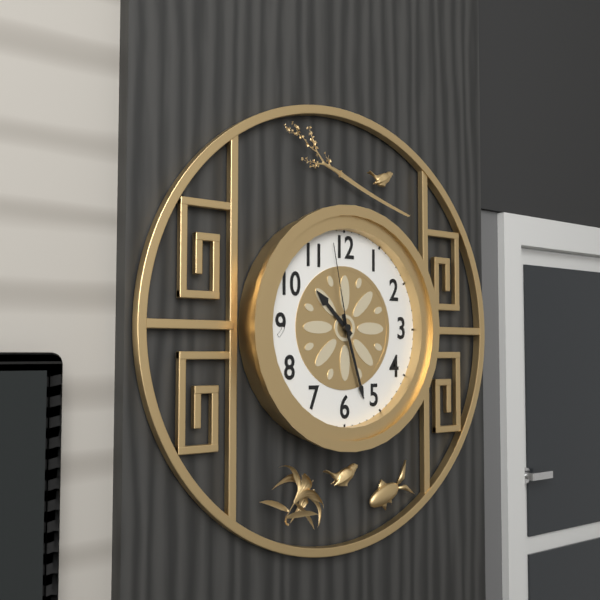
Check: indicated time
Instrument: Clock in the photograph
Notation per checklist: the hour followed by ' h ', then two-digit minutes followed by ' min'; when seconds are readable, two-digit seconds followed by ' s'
10 h 27 min 58 s
